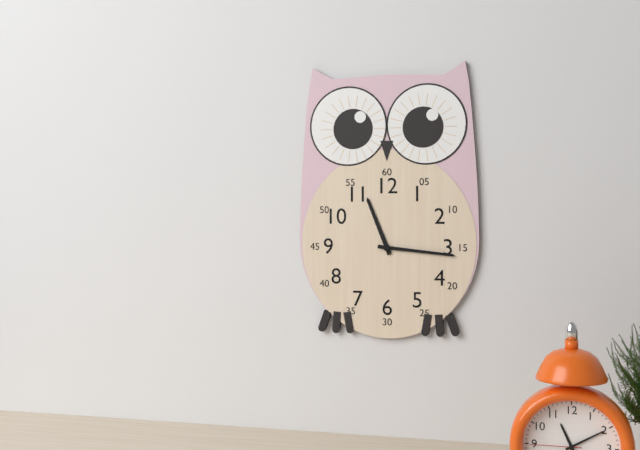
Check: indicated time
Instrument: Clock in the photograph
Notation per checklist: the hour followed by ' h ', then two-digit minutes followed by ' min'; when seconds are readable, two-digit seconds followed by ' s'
11 h 16 min
